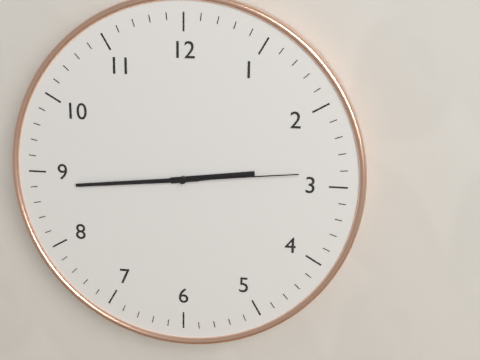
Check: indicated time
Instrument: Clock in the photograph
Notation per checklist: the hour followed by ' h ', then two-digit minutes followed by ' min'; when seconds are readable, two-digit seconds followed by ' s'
2 h 44 min 14 s
